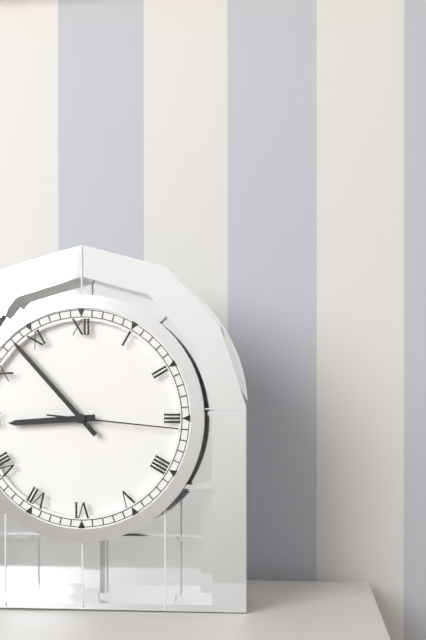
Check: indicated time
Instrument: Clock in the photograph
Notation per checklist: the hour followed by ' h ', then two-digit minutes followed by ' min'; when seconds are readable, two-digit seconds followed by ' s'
8 h 53 min 16 s
